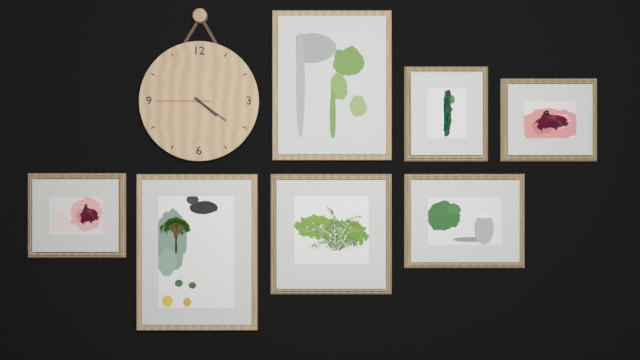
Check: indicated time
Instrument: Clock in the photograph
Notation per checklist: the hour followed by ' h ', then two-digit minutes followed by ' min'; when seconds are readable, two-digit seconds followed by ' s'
4 h 21 min 45 s
